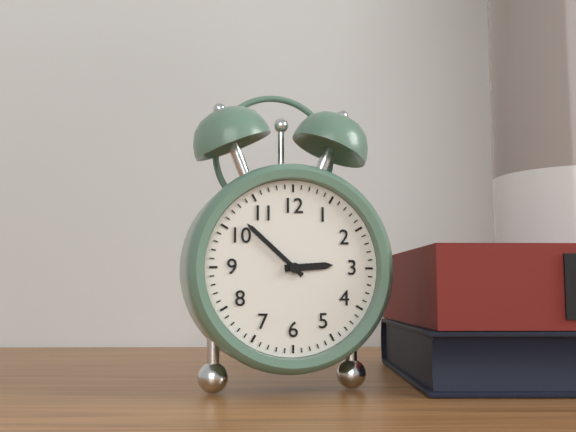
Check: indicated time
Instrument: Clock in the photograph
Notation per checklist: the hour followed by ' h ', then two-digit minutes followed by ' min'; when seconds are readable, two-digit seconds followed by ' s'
2 h 52 min
